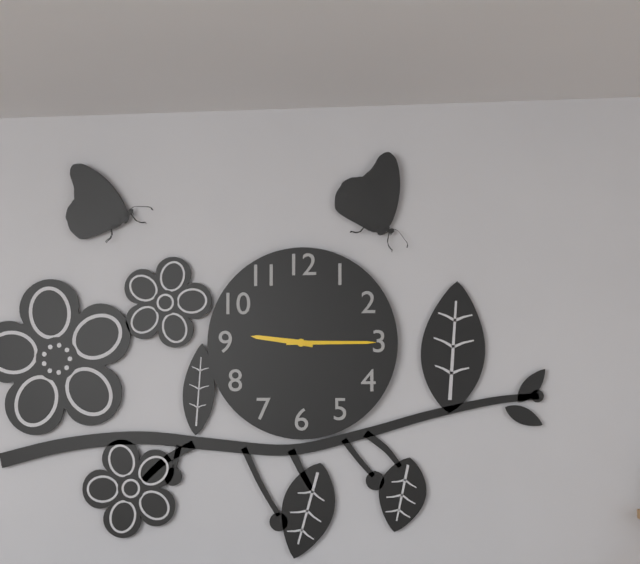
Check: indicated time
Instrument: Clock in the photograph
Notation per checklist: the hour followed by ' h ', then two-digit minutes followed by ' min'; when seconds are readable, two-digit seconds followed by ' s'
9 h 15 min
